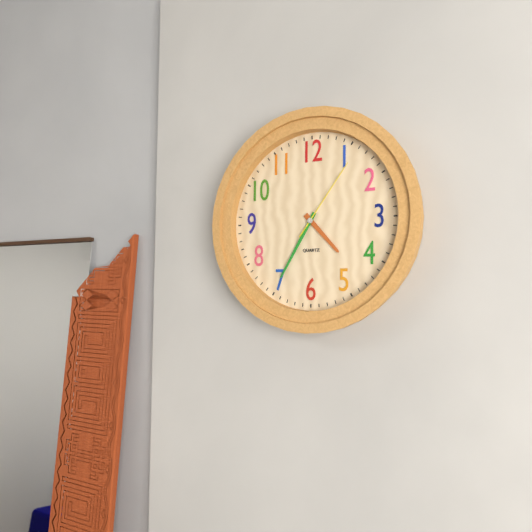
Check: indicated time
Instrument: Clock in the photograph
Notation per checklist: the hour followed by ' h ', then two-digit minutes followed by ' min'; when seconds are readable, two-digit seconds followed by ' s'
4 h 35 min 06 s
